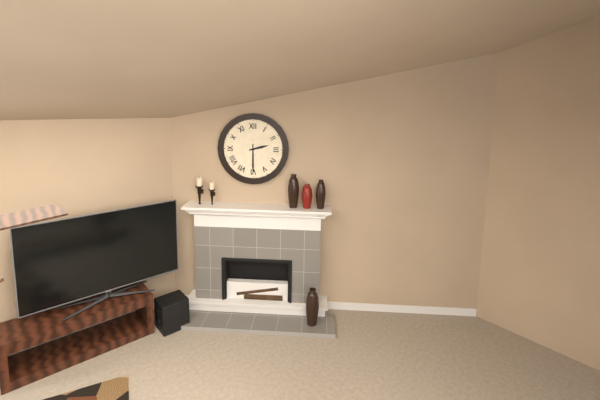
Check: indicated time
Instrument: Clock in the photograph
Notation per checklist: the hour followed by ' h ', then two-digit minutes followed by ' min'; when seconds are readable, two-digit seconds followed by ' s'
2 h 30 min
